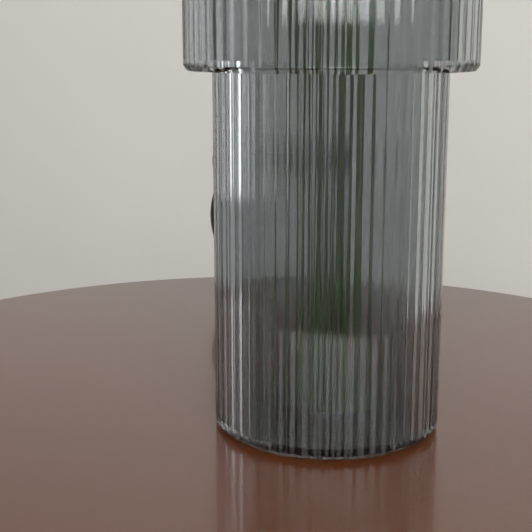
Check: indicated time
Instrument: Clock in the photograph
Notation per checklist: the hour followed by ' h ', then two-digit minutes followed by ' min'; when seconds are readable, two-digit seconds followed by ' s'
10 h 14 min
